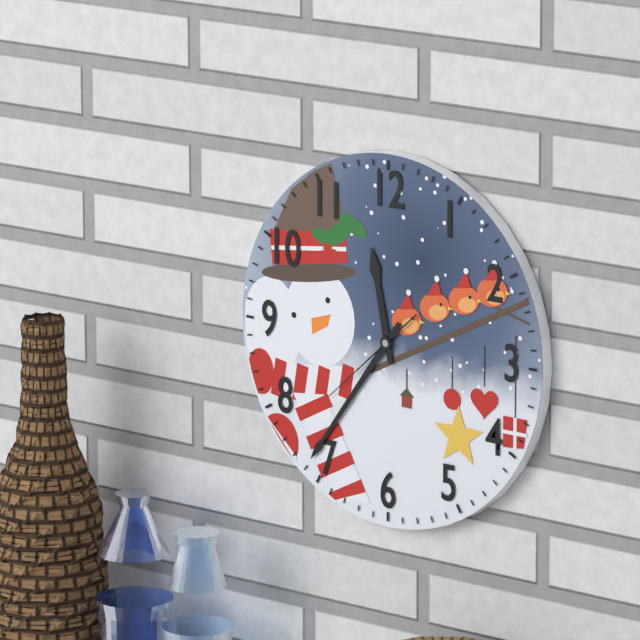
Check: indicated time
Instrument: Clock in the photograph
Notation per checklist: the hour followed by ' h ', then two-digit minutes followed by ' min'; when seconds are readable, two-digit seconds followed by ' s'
11 h 36 min 38 s
